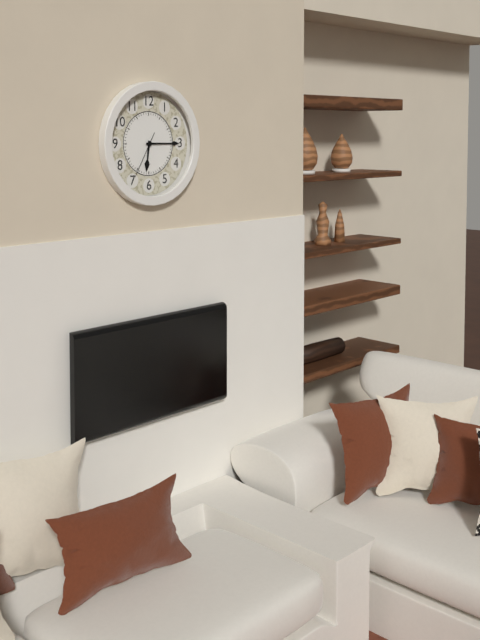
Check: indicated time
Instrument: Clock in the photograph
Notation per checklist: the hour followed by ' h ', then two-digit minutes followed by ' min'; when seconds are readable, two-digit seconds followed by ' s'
6 h 15 min
